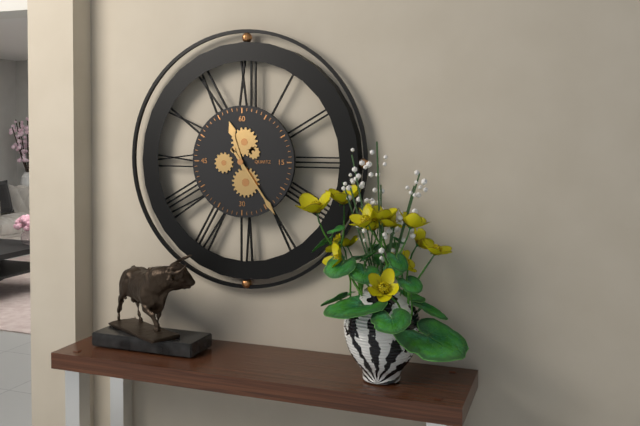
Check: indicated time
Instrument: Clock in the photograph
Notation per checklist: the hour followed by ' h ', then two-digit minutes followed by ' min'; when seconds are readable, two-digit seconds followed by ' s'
11 h 24 min
